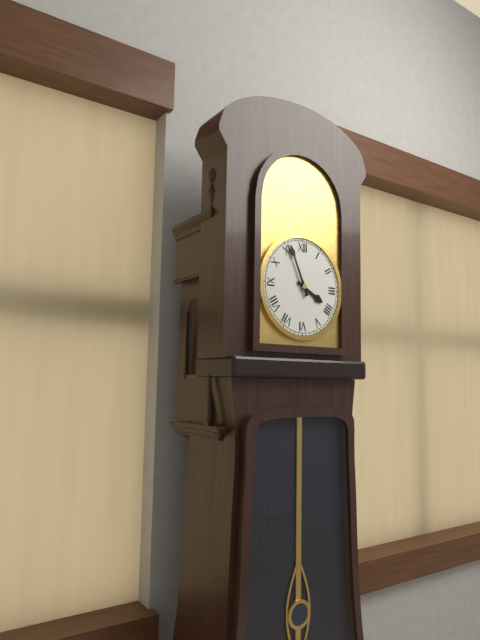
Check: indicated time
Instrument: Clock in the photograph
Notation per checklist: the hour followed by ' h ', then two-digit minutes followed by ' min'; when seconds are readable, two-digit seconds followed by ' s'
3 h 56 min
